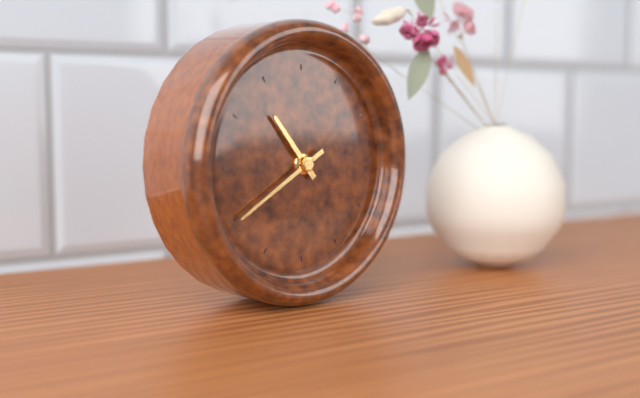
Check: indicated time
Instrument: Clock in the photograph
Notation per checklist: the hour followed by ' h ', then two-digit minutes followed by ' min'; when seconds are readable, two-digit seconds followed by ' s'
10 h 40 min
